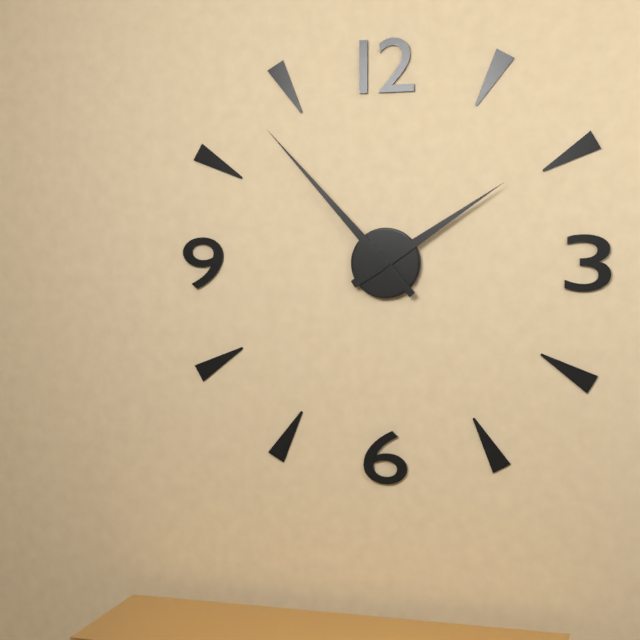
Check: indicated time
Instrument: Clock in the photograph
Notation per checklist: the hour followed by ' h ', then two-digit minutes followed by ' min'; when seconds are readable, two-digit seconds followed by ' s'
1 h 53 min
